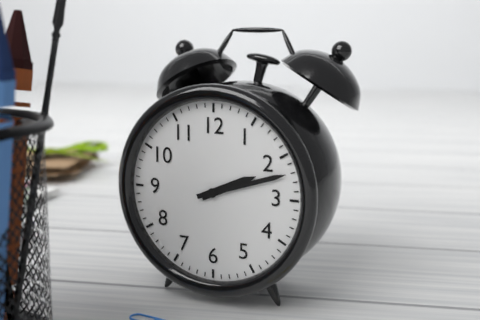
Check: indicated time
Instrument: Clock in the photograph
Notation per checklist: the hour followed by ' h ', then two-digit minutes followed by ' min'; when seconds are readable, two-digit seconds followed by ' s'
2 h 12 min
